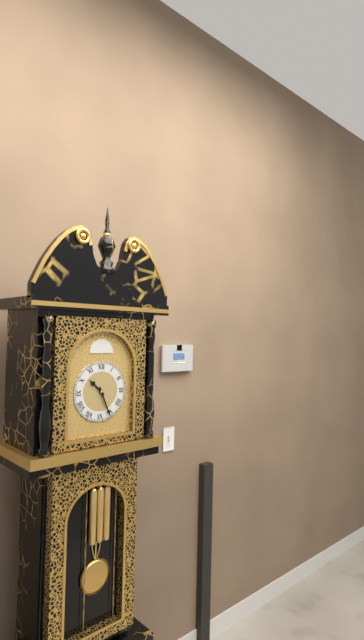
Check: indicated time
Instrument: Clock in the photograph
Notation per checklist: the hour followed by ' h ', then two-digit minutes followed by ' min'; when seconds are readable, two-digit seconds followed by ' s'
10 h 26 min
